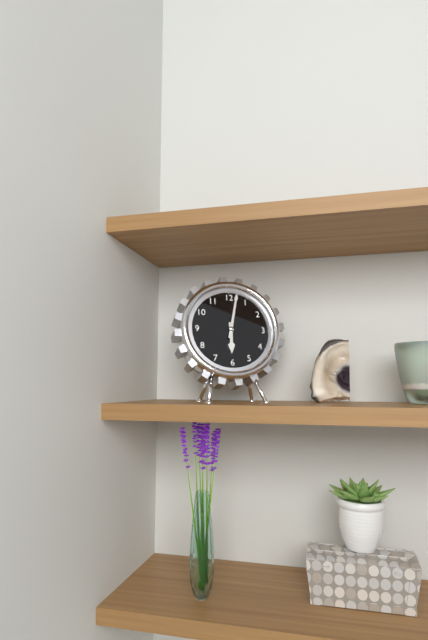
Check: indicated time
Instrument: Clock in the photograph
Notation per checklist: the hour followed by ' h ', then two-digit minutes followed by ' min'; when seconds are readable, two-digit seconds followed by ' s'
6 h 02 min
